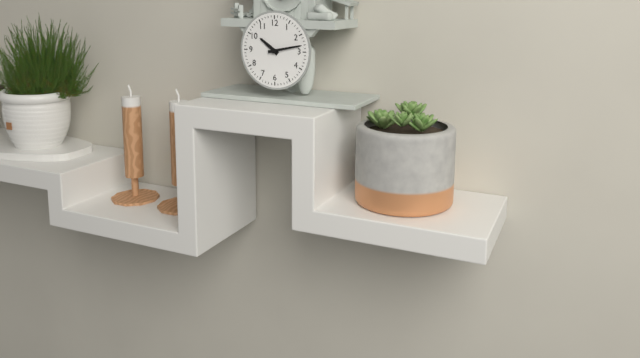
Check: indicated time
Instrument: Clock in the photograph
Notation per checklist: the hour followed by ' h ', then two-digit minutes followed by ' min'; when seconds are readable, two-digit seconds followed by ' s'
10 h 13 min
